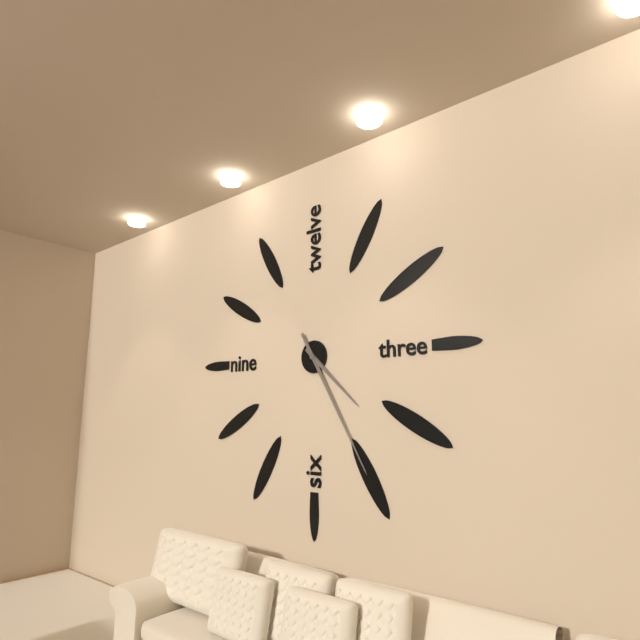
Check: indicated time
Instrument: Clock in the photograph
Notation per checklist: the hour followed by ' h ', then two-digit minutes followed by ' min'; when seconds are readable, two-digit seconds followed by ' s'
4 h 25 min
